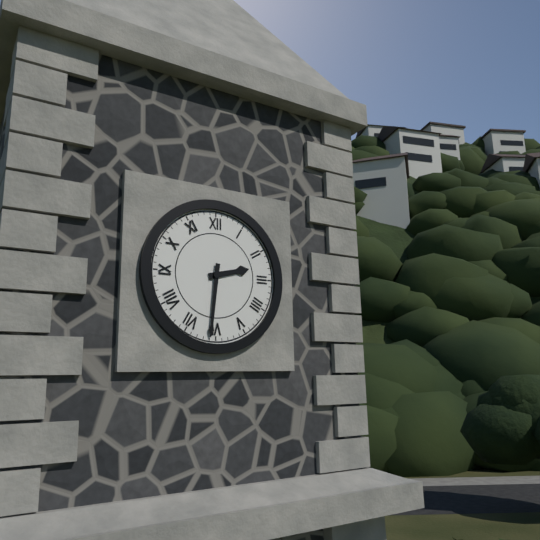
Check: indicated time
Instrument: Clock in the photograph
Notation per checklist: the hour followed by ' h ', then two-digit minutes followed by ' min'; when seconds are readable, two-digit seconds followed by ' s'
2 h 31 min
